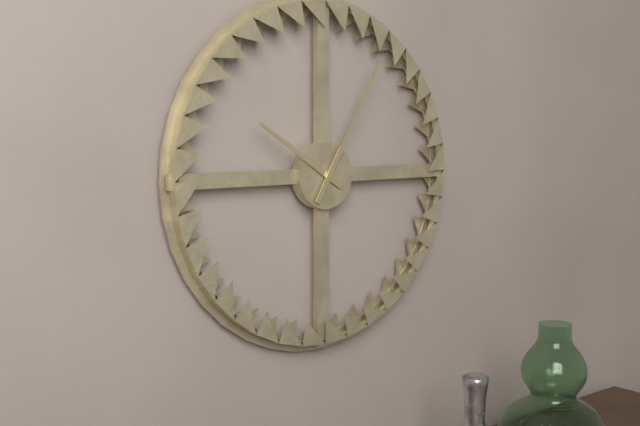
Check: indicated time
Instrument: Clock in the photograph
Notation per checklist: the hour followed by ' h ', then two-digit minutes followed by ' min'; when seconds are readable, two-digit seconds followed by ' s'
10 h 05 min
